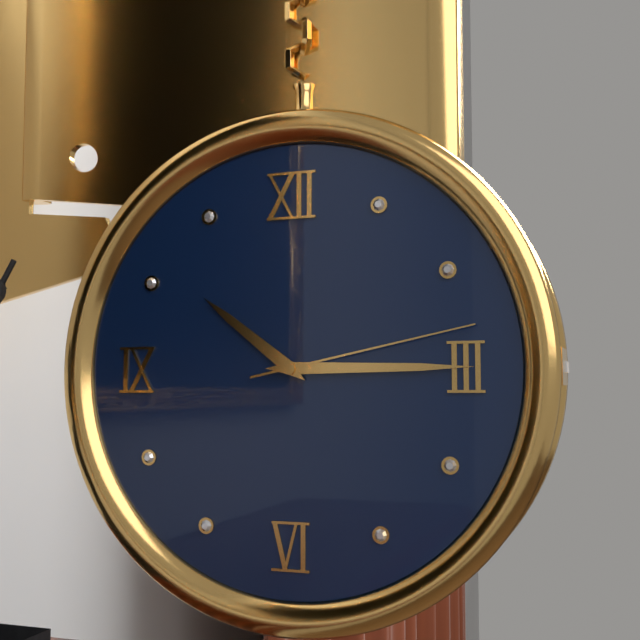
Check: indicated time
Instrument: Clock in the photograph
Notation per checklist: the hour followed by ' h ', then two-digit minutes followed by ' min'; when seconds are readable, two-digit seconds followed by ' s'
10 h 15 min 13 s
